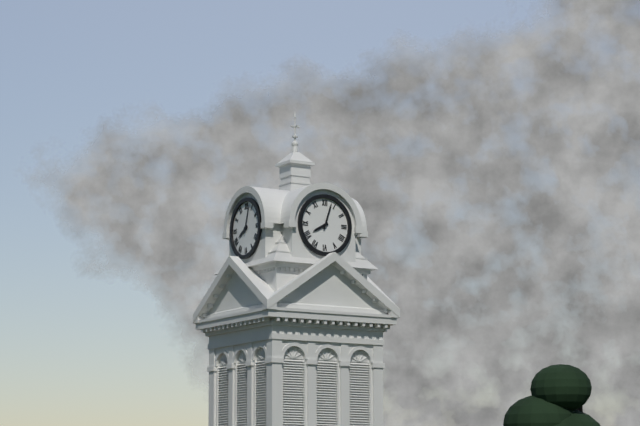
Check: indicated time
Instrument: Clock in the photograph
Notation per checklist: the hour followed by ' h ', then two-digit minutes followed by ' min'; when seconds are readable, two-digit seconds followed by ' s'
8 h 03 min
